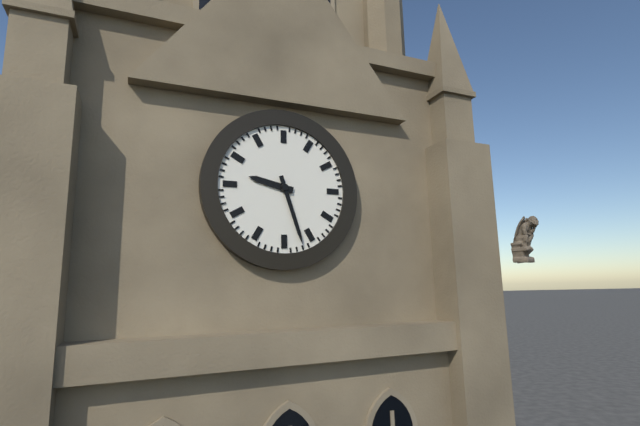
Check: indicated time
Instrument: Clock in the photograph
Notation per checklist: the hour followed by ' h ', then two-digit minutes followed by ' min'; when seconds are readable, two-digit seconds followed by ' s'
9 h 27 min
